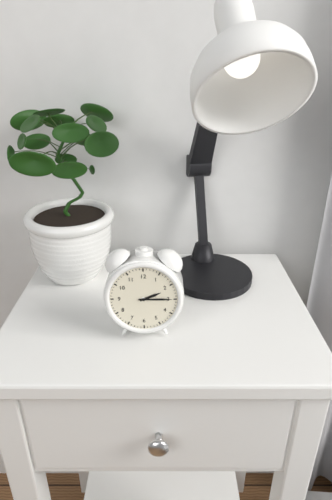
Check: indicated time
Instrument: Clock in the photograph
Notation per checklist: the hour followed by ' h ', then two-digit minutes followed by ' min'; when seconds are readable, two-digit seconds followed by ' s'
2 h 15 min
